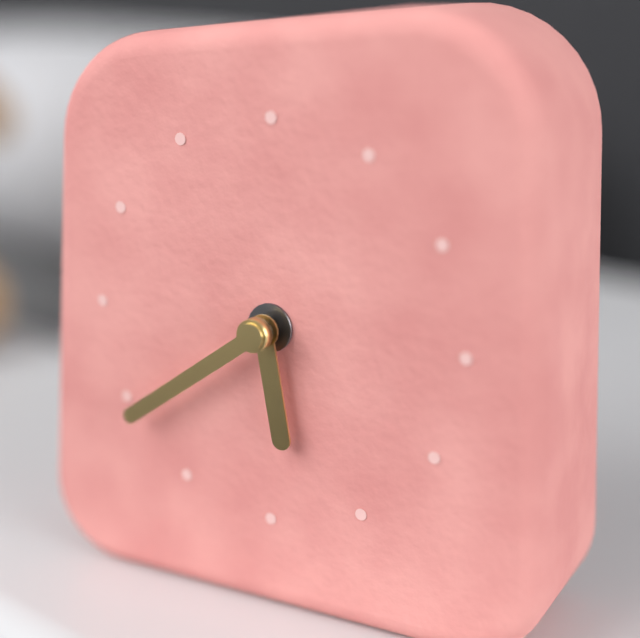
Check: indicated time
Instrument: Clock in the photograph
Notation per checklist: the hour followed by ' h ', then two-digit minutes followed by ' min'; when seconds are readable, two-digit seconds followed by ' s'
5 h 39 min
